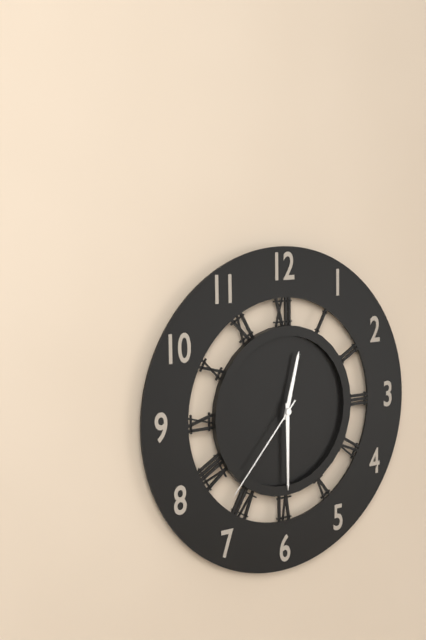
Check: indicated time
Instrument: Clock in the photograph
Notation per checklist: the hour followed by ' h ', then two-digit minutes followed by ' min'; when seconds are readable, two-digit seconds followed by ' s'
12 h 30 min 37 s
